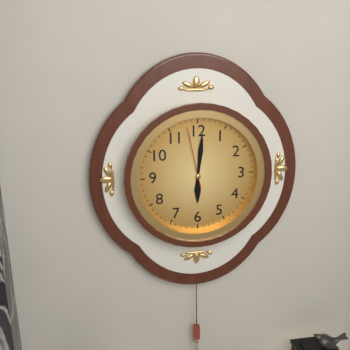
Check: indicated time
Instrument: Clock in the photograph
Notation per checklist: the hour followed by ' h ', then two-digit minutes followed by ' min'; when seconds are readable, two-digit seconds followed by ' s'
6 h 01 min 58 s
